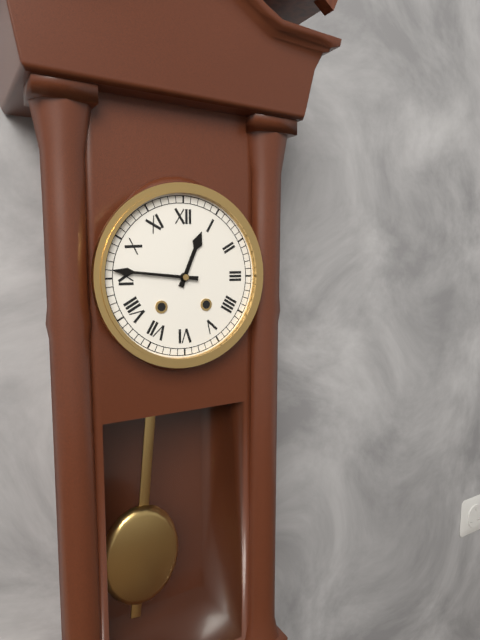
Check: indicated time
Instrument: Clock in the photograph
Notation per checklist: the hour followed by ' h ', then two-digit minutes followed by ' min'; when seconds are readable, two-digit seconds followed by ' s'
12 h 46 min
